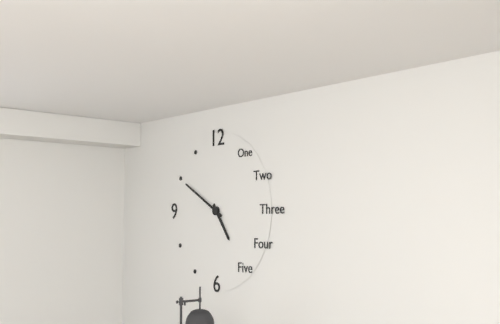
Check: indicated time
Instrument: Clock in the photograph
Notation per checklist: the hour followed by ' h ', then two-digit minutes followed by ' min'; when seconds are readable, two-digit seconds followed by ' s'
4 h 50 min
